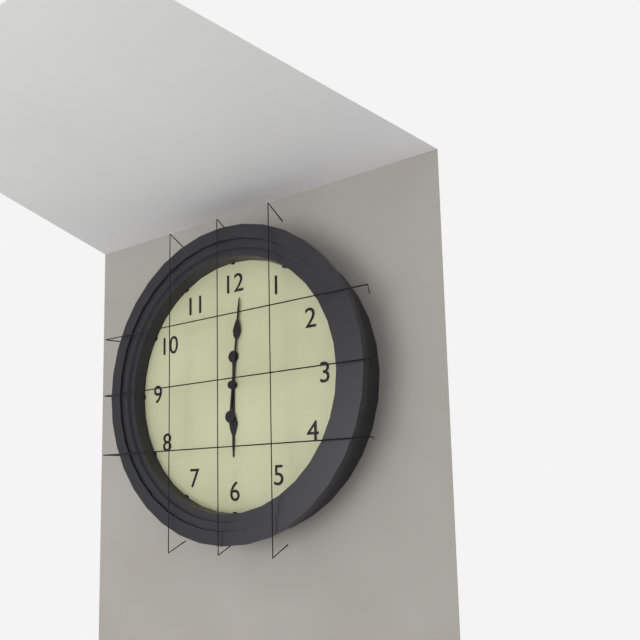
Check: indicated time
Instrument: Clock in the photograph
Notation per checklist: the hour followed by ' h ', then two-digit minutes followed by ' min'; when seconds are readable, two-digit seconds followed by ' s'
6 h 01 min
